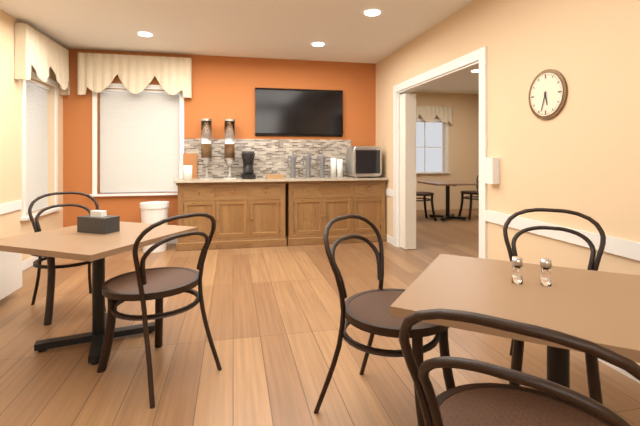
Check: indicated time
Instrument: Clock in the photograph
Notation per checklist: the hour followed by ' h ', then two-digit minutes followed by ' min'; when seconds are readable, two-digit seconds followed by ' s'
5 h 33 min
